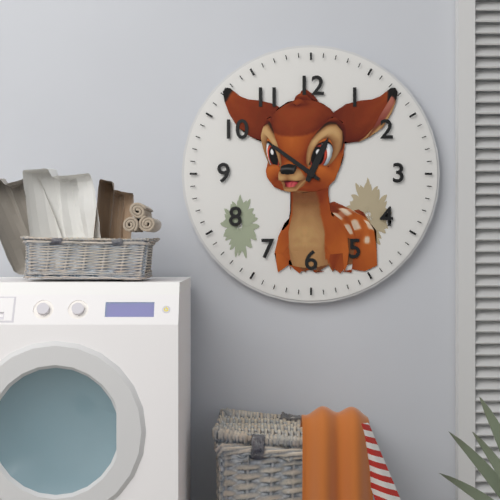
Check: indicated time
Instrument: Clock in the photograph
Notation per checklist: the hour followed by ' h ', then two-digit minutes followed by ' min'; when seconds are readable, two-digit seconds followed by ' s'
12 h 51 min
